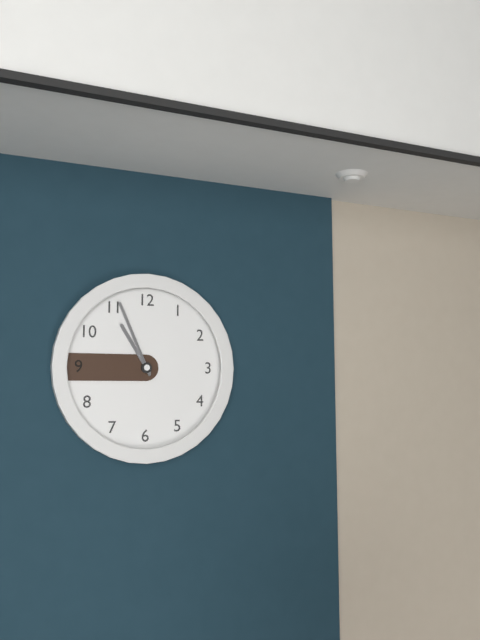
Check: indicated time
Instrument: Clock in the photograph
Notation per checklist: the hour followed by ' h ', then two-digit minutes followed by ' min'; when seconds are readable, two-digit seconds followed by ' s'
10 h 56 min
